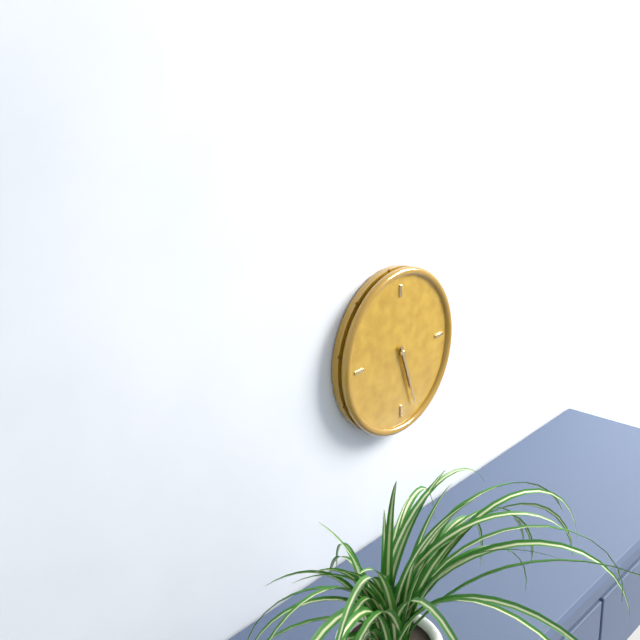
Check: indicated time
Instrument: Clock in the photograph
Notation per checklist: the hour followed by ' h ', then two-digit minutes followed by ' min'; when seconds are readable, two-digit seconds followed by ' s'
5 h 27 min
